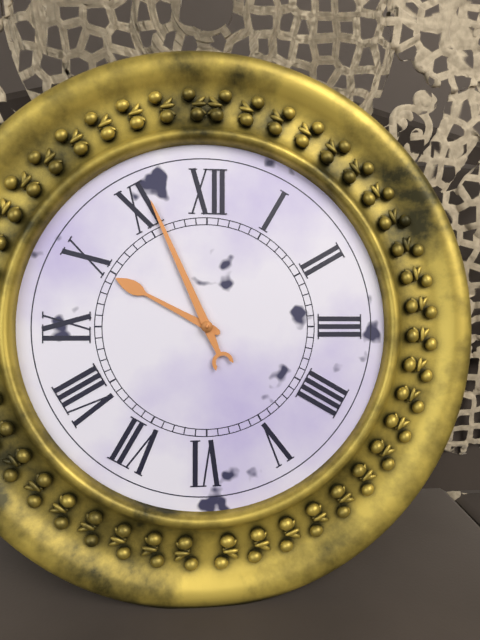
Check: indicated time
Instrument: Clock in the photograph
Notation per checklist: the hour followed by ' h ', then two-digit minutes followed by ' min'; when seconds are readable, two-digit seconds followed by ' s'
9 h 56 min
